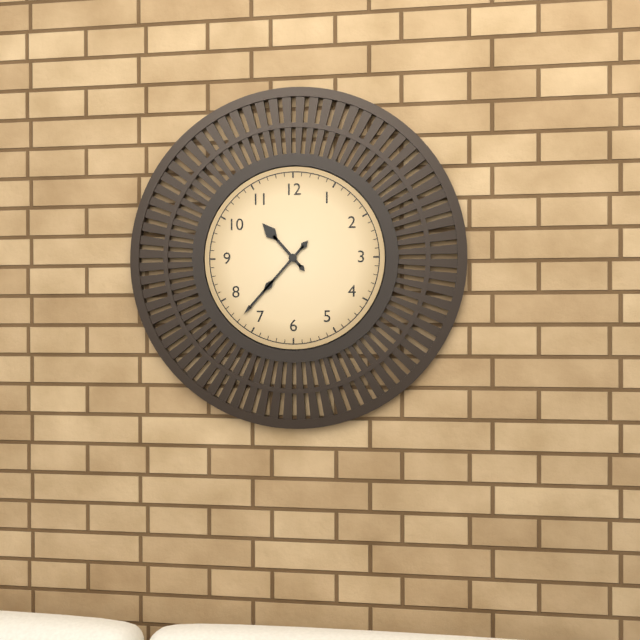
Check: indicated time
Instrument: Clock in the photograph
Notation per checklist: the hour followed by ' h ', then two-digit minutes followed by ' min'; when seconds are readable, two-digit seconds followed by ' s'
10 h 37 min
